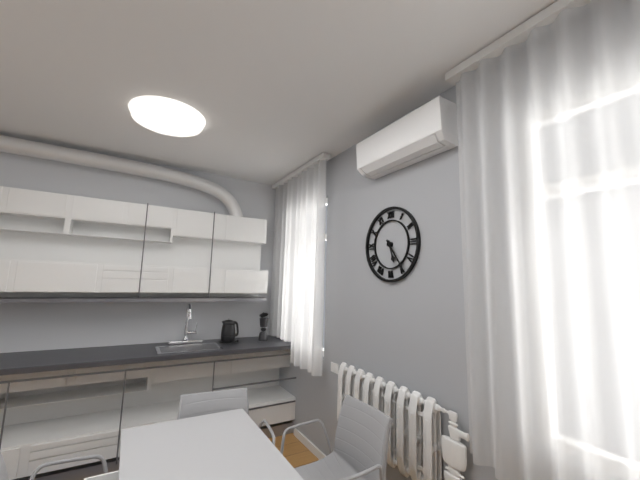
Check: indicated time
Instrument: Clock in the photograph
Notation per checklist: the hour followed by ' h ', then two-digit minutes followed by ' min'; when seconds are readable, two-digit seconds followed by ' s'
5 h 24 min
